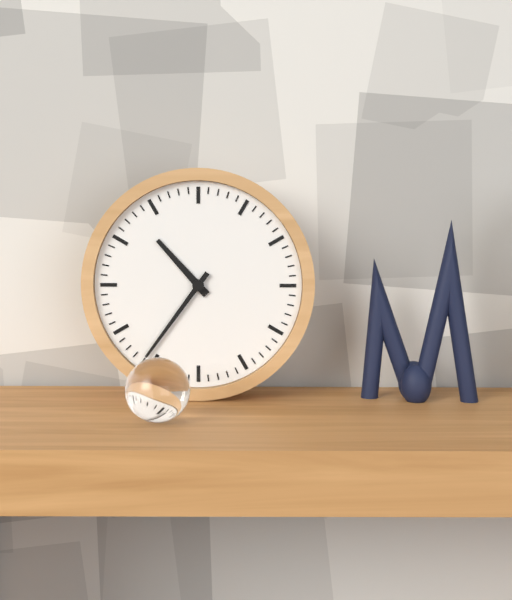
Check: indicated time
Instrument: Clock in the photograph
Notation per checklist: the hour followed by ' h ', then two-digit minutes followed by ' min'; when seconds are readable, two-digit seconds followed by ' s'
10 h 36 min
